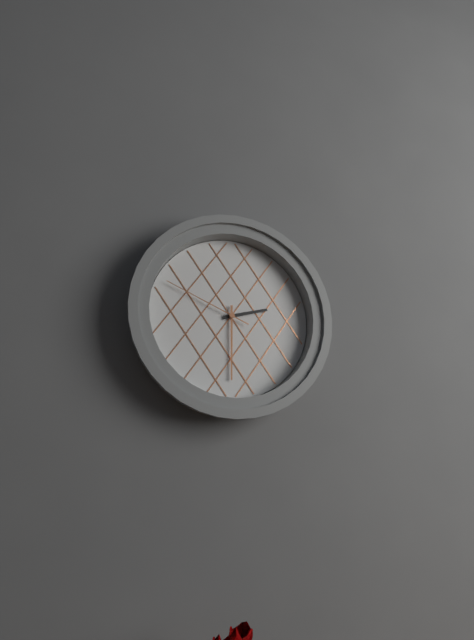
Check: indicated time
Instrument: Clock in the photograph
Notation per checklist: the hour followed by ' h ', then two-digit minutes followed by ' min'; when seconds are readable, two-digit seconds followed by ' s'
2 h 30 min 49 s
